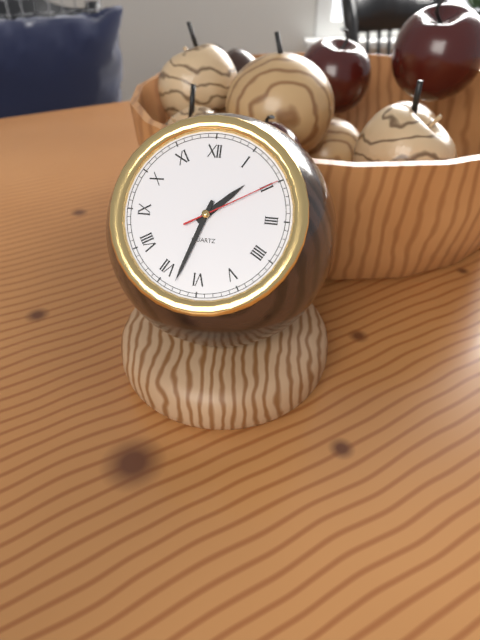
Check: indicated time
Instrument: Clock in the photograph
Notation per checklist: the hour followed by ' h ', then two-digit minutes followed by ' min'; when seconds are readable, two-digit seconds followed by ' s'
1 h 33 min 10 s
